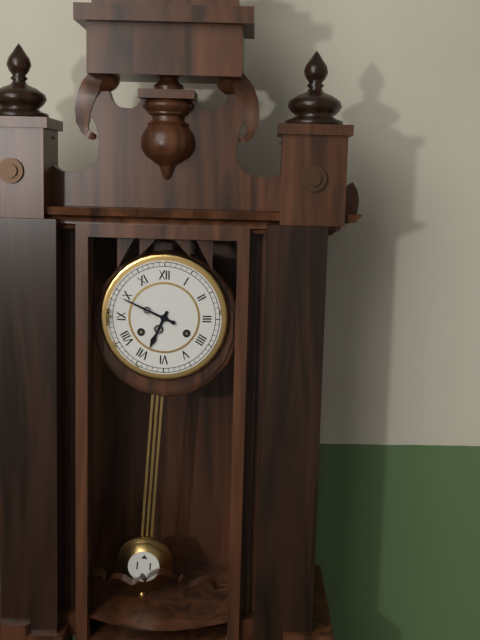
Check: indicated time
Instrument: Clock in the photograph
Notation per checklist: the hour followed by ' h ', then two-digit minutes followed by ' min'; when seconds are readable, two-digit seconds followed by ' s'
6 h 49 min
